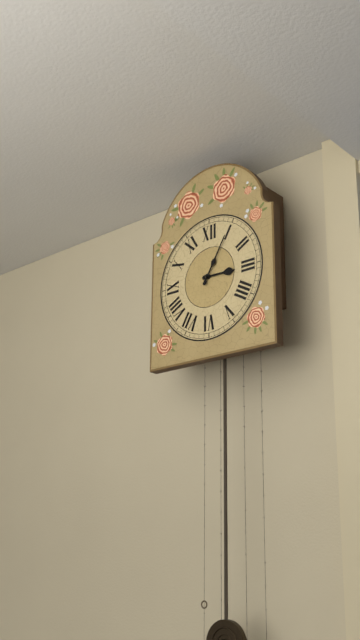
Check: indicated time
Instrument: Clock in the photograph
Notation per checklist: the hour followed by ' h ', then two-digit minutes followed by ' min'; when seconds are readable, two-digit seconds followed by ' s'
3 h 05 min
